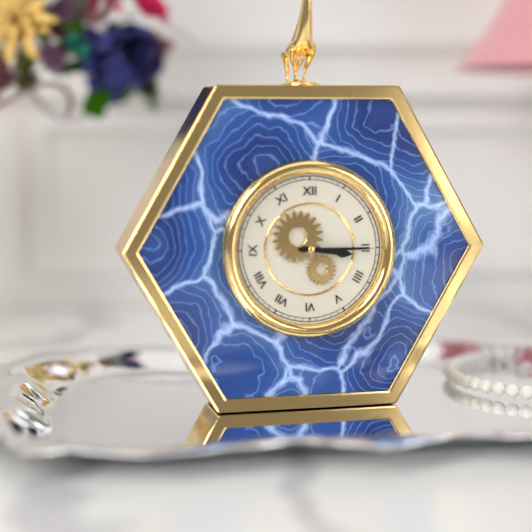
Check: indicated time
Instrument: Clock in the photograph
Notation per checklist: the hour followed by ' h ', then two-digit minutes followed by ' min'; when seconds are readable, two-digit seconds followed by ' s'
3 h 15 min
